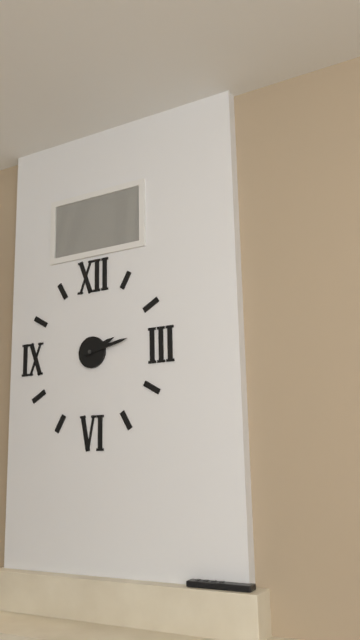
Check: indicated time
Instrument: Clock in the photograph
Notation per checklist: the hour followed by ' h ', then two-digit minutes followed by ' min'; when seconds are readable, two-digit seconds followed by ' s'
2 h 13 min
